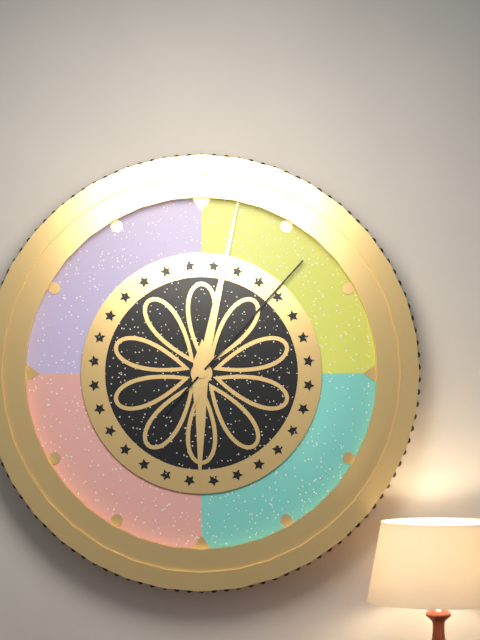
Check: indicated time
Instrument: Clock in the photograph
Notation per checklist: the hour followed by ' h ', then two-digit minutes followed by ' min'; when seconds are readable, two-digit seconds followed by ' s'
6 h 02 min 07 s
